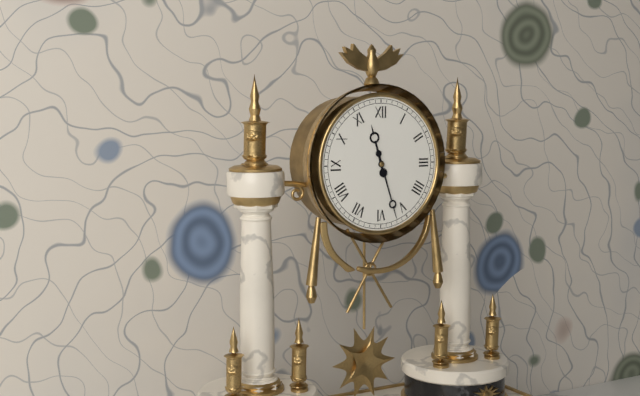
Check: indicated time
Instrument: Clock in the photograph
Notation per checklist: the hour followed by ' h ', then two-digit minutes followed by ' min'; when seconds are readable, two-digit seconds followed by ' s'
11 h 27 min
